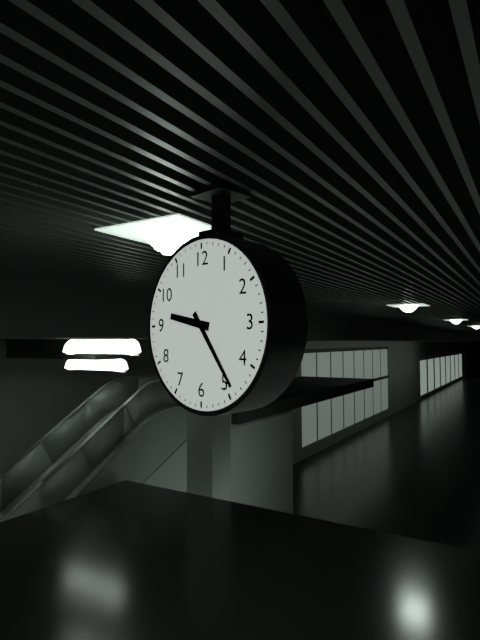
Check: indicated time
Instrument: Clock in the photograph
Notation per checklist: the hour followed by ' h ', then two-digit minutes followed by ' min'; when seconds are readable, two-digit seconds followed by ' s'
9 h 24 min
